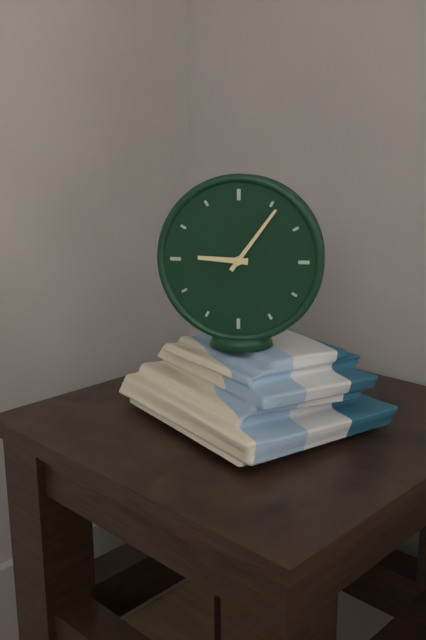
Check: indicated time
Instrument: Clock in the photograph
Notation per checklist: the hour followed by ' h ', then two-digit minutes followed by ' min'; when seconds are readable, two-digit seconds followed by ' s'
9 h 06 min
